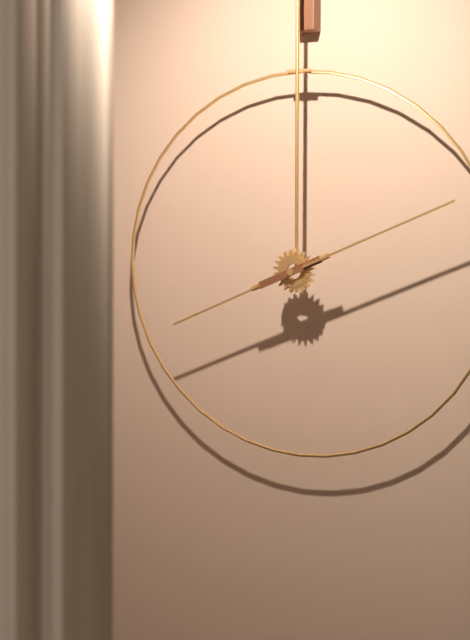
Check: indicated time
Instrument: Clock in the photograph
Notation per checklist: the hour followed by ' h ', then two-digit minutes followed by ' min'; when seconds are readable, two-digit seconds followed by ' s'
8 h 11 min
